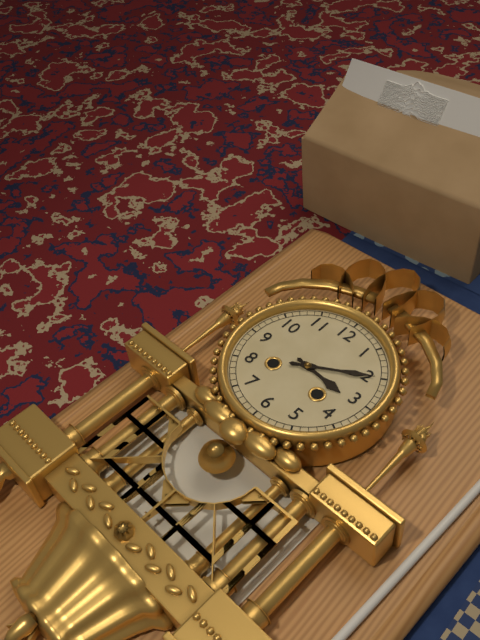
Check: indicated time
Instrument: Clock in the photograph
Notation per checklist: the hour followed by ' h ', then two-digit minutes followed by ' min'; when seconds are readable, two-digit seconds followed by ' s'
3 h 10 min
